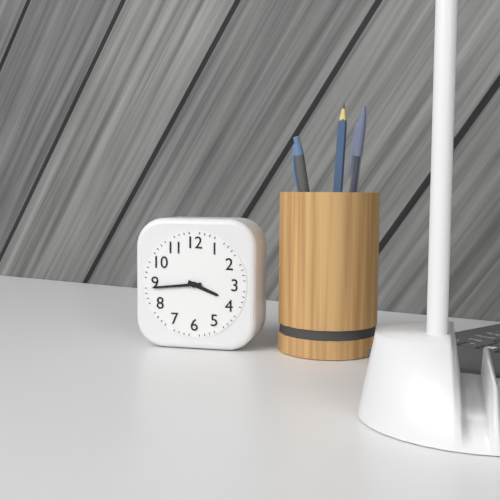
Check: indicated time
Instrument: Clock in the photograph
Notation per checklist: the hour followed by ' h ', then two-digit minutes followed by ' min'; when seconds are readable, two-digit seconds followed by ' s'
3 h 44 min
